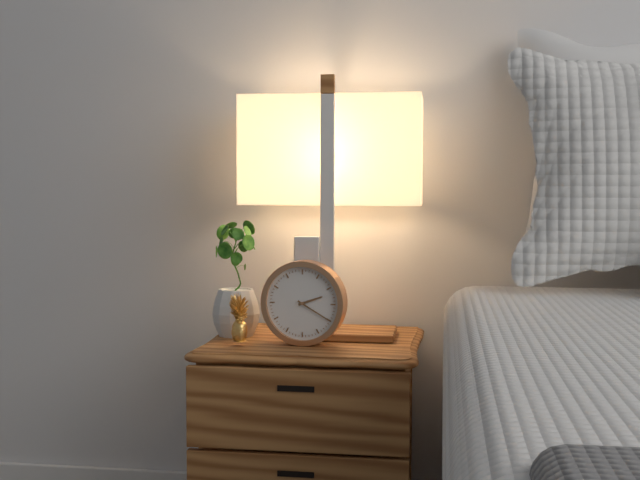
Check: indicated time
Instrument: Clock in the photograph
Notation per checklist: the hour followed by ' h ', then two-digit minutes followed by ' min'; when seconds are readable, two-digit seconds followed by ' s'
2 h 20 min
